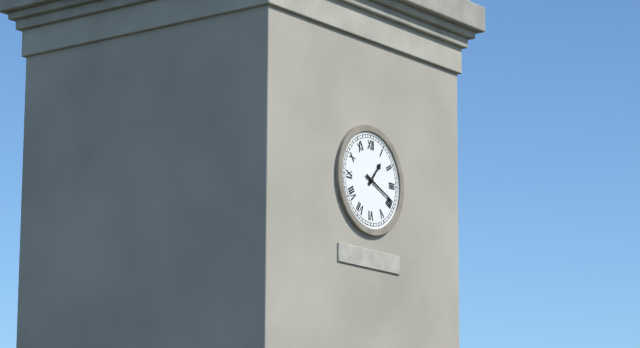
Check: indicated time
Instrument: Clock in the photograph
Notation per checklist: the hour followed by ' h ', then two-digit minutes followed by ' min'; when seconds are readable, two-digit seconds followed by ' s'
1 h 19 min
